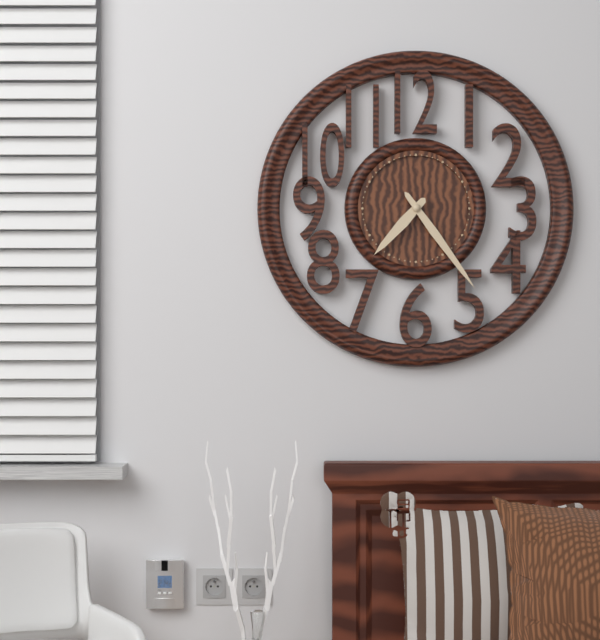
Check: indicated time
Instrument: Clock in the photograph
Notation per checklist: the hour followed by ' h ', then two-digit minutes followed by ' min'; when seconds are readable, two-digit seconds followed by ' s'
7 h 24 min
